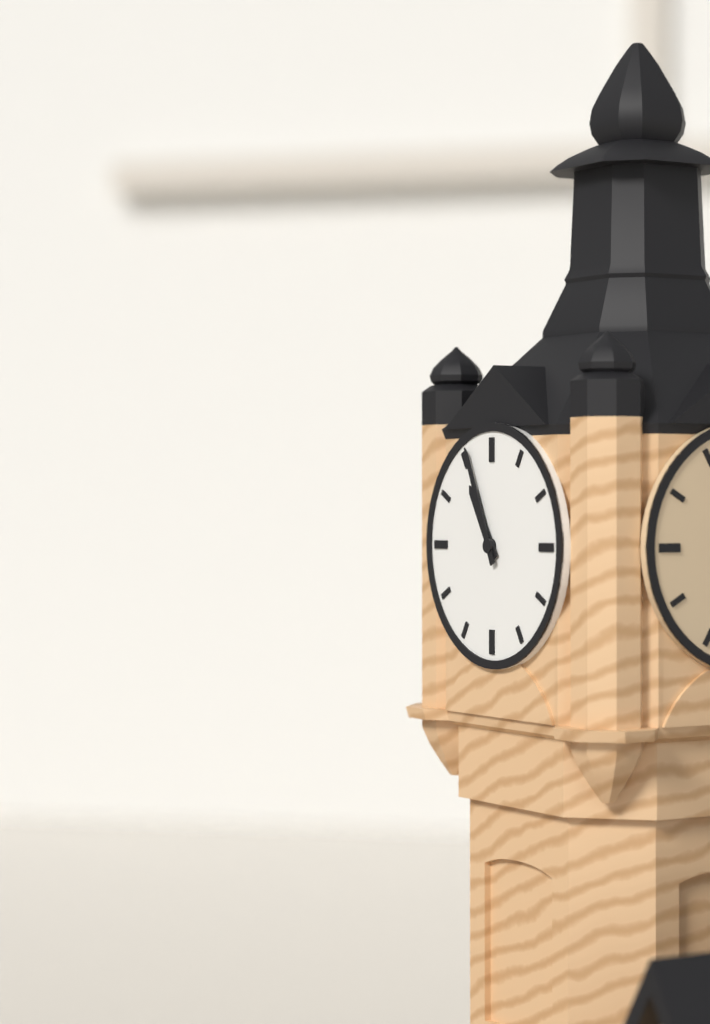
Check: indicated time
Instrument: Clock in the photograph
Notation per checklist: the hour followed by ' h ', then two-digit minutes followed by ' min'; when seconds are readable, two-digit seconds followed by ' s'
10 h 56 min
